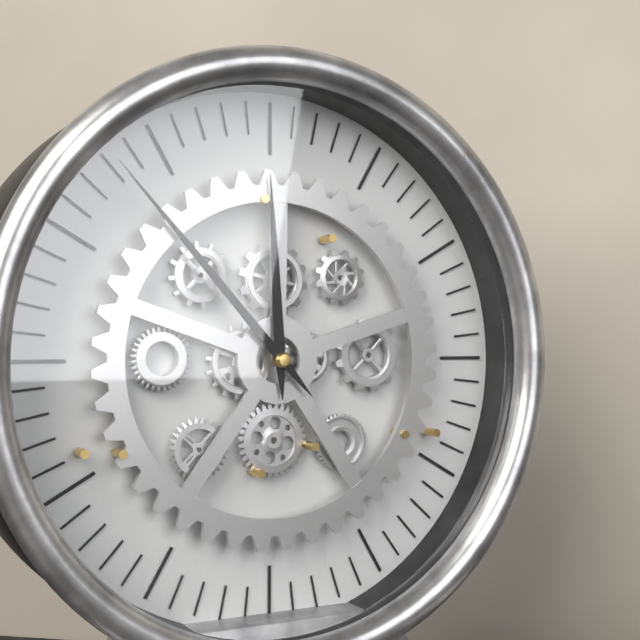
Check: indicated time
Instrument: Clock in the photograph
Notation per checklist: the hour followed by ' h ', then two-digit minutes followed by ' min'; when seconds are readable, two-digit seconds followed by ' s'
11 h 53 min
